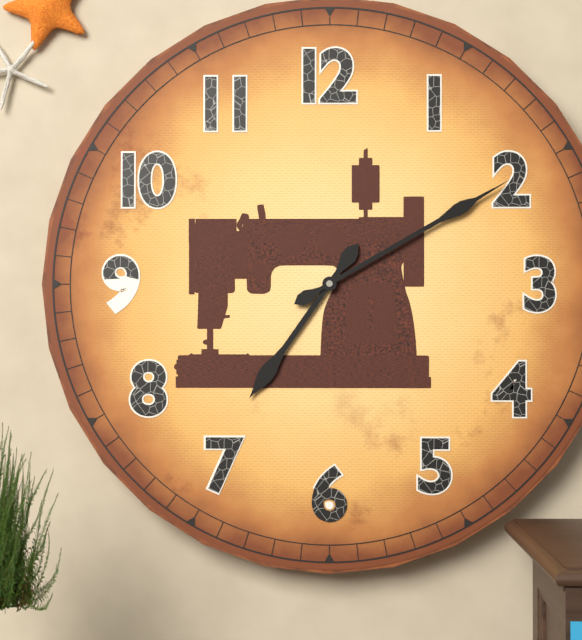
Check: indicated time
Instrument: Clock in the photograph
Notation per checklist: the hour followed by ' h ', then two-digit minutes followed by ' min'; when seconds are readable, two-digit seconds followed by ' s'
7 h 10 min
